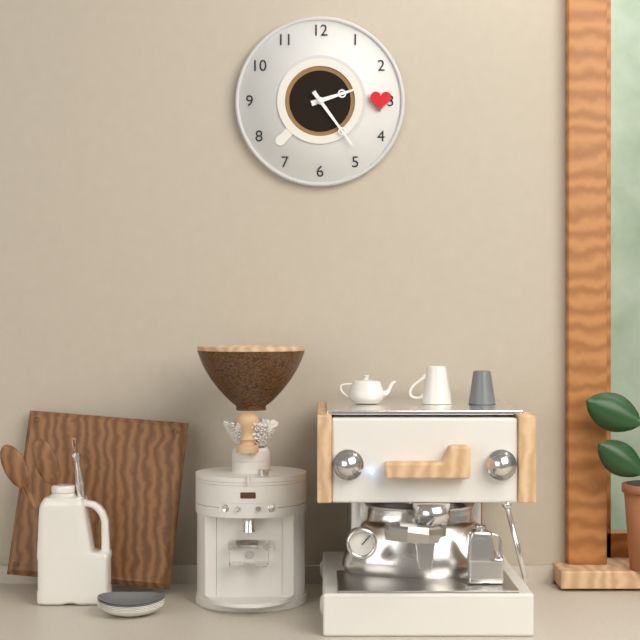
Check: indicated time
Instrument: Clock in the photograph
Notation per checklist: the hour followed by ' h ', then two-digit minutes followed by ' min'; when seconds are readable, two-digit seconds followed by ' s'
2 h 24 min
